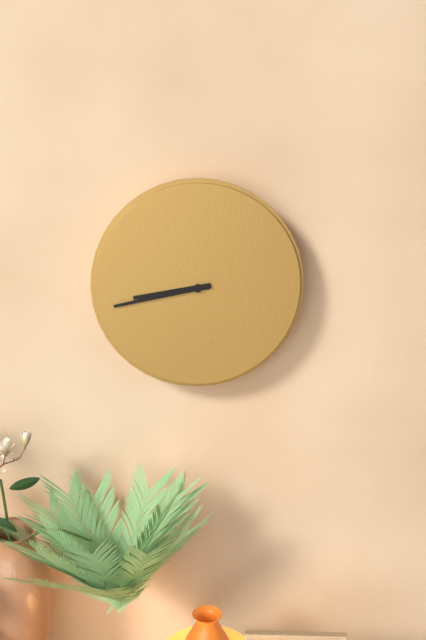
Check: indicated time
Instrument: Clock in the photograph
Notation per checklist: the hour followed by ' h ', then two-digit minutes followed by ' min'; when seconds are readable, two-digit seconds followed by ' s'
8 h 43 min
